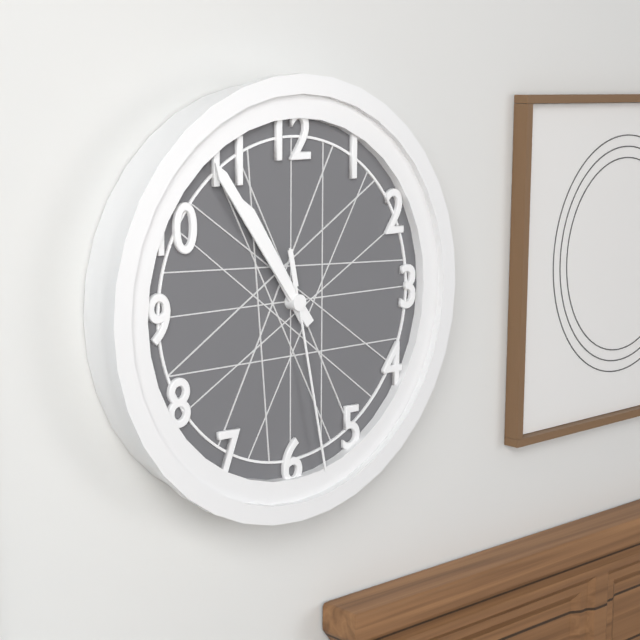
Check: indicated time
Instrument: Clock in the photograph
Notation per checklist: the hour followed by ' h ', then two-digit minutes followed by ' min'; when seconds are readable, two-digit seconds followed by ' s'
10 h 54 min 28 s
